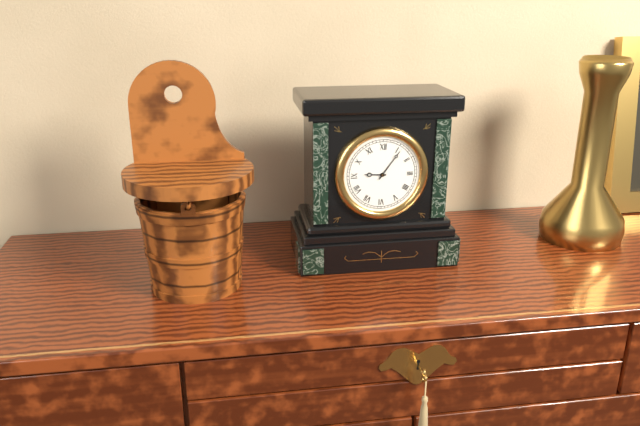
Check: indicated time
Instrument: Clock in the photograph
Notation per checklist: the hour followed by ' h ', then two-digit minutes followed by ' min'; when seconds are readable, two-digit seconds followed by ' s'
9 h 06 min
